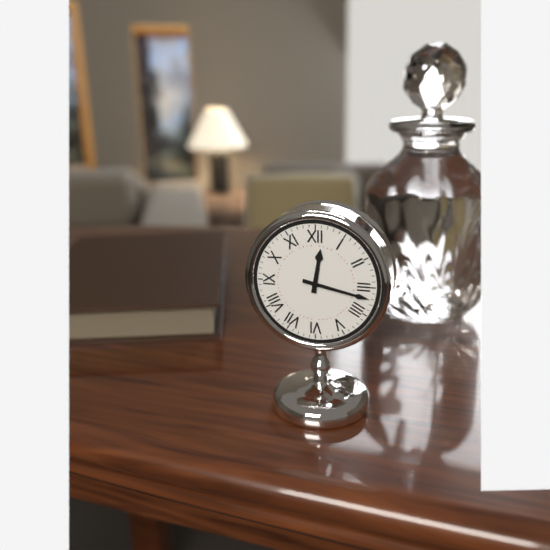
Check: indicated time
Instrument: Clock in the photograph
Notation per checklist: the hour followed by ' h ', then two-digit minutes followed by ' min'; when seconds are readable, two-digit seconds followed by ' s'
12 h 17 min
